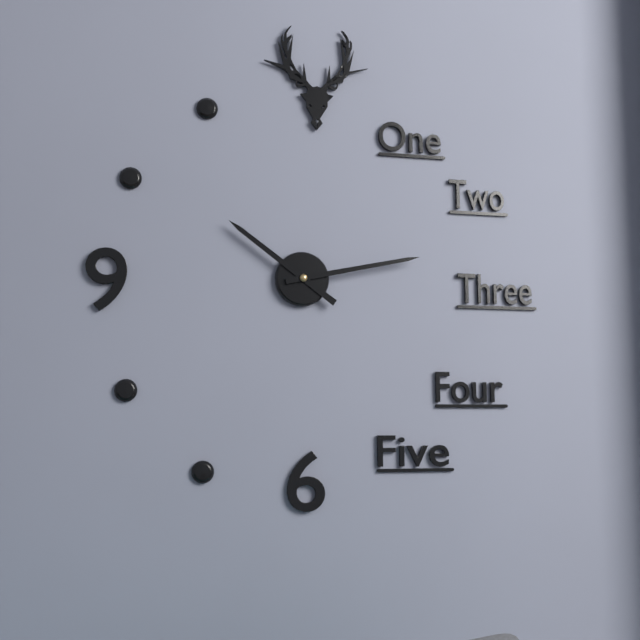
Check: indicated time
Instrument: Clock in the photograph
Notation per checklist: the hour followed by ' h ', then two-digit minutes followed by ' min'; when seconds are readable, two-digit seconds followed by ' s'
10 h 13 min
